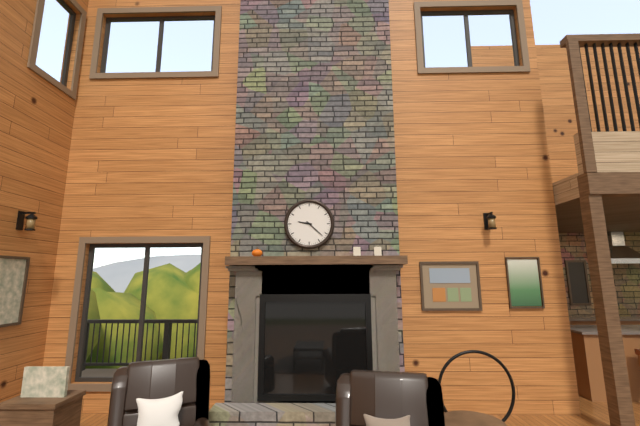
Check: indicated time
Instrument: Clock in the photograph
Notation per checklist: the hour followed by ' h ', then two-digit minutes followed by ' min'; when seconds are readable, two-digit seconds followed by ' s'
9 h 22 min
